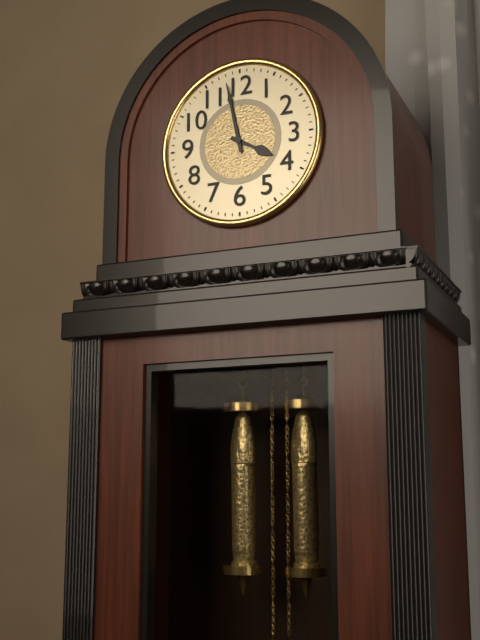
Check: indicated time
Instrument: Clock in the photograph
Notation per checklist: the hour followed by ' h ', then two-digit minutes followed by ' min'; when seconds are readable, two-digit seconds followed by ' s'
3 h 58 min
